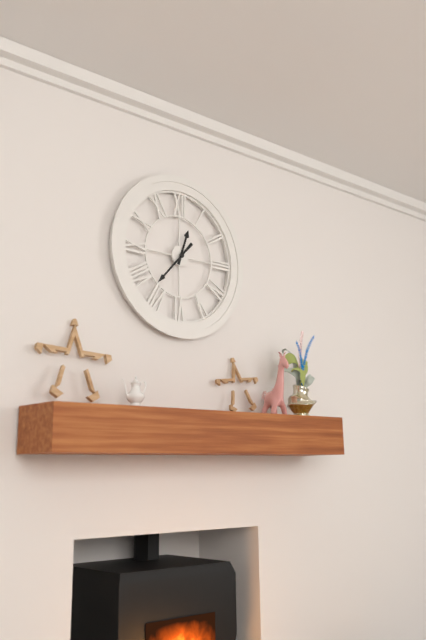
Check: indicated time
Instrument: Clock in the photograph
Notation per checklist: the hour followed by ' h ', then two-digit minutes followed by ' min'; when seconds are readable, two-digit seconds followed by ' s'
12 h 37 min
